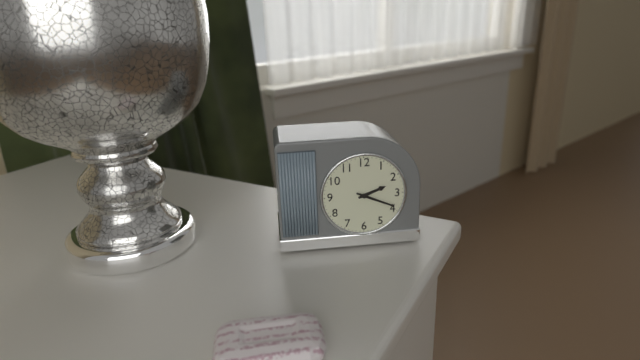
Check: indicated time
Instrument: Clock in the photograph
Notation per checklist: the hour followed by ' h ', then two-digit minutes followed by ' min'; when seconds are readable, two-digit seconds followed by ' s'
2 h 19 min
